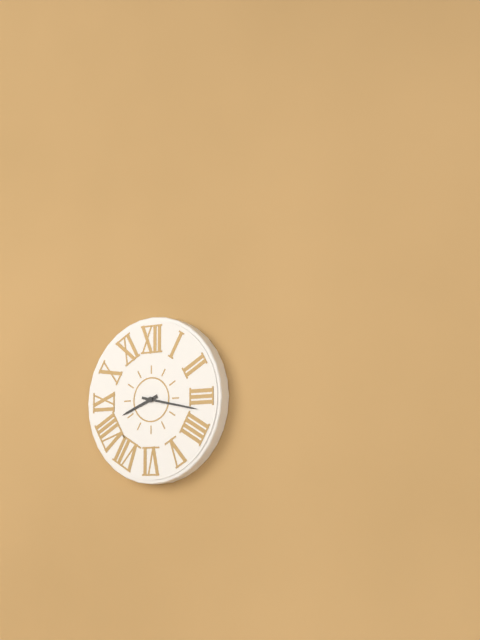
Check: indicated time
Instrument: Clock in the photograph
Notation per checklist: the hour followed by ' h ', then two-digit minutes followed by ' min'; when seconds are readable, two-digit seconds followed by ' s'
8 h 17 min
